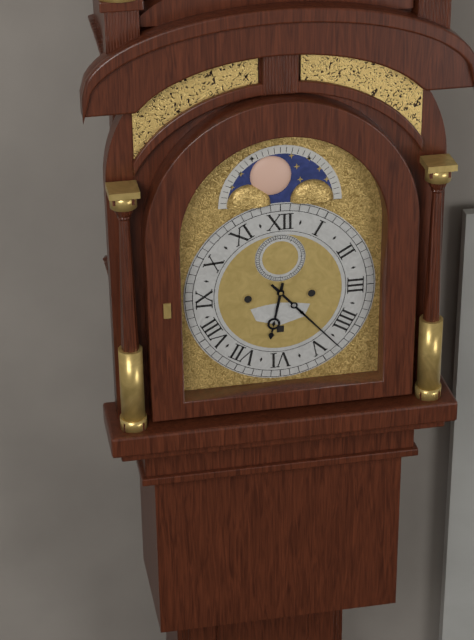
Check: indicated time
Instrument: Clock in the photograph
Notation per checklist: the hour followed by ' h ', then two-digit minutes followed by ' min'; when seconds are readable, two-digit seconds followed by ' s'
6 h 23 min
